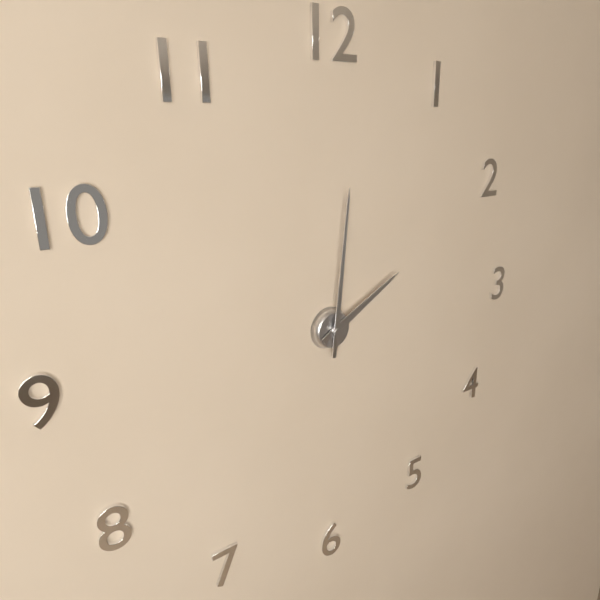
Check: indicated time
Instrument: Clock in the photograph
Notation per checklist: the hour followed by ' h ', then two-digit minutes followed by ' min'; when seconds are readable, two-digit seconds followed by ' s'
2 h 01 min
